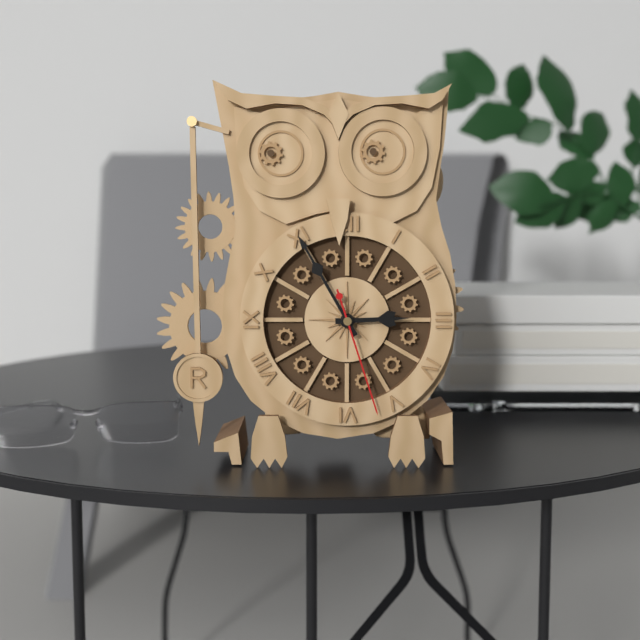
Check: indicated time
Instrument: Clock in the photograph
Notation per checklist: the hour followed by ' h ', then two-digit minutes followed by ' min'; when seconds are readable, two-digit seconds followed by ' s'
2 h 55 min 27 s
